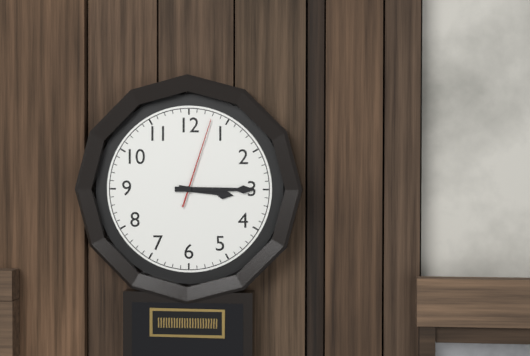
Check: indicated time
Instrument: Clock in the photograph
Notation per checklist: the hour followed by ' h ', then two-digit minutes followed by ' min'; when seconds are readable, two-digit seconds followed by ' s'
3 h 15 min 03 s
